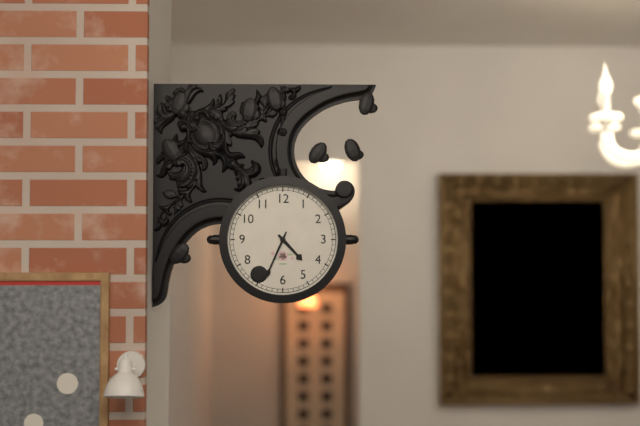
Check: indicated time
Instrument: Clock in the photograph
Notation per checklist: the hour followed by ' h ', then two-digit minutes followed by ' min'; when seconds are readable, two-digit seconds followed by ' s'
4 h 34 min
